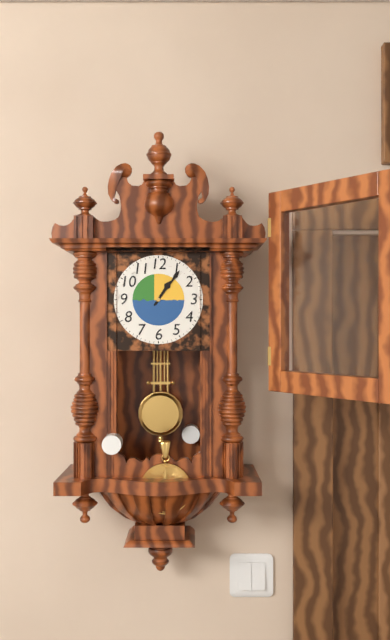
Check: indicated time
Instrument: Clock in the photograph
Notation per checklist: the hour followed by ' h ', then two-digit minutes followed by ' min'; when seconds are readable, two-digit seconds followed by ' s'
1 h 06 min
